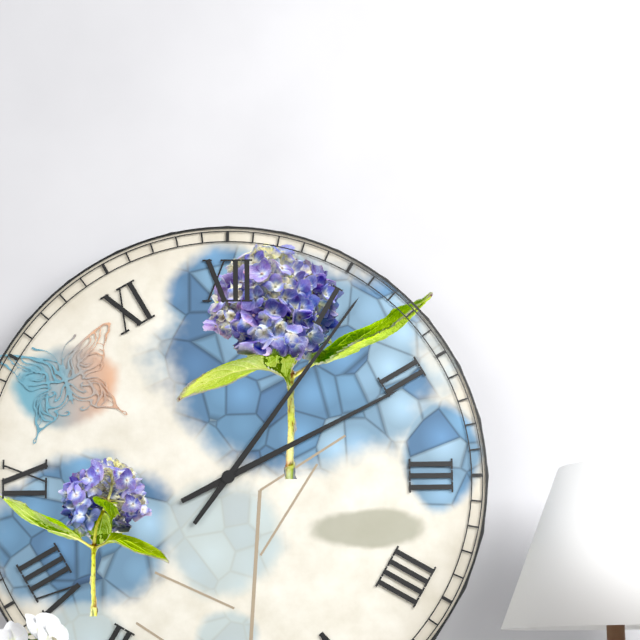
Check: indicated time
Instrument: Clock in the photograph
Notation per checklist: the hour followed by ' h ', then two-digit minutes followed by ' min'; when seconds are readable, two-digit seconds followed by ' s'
2 h 06 min
